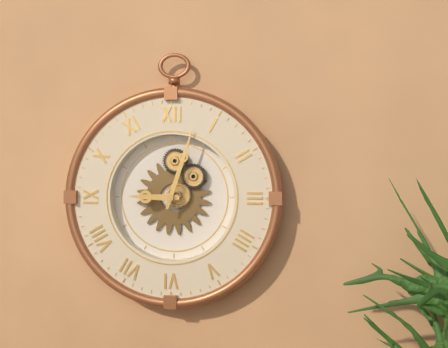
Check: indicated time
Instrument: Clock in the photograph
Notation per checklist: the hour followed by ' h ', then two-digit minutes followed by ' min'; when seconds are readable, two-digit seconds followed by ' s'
9 h 03 min
